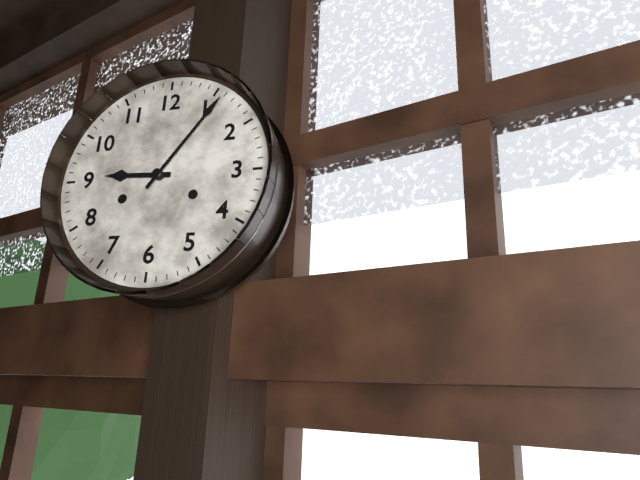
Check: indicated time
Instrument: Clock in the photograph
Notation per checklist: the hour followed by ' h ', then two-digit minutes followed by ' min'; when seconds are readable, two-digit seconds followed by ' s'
9 h 06 min
